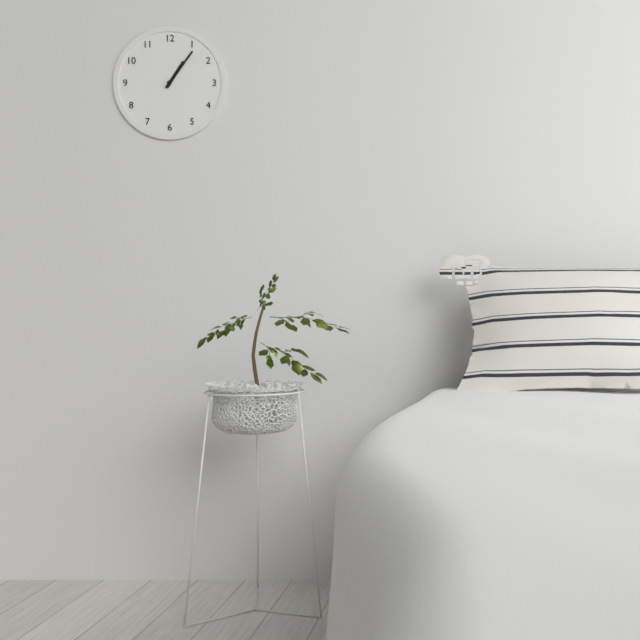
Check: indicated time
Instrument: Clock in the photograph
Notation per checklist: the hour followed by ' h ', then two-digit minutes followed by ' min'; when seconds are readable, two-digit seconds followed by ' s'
1 h 06 min
